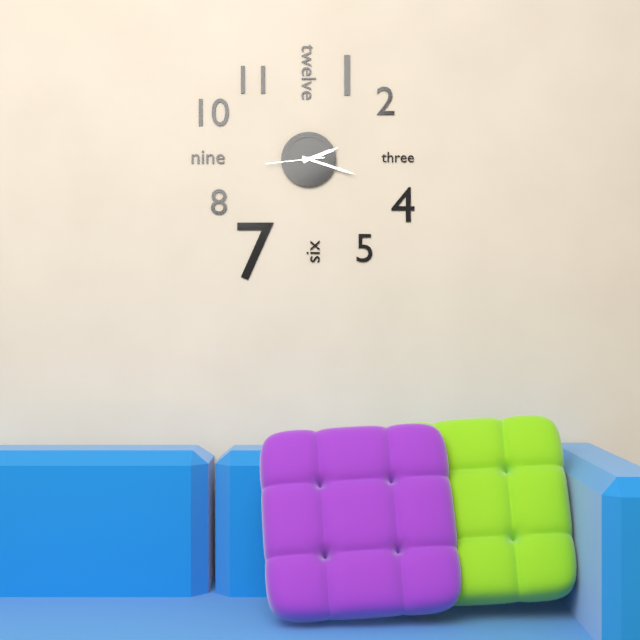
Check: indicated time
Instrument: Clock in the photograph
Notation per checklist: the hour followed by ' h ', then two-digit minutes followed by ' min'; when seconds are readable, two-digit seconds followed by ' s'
2 h 18 min 44 s
